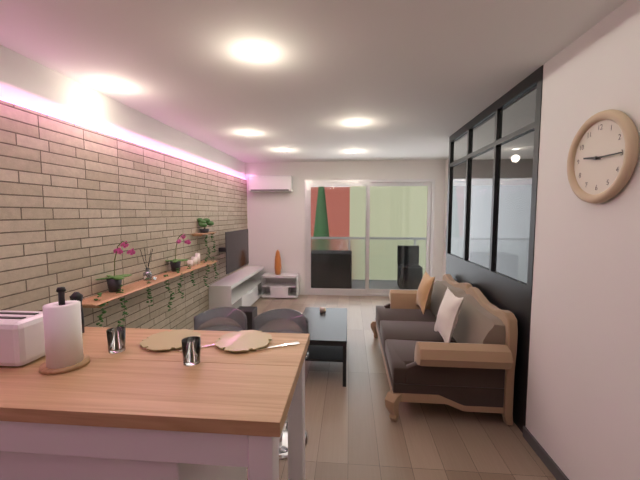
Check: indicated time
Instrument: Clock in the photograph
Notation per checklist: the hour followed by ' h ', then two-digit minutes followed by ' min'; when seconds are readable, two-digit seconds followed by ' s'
9 h 15 min
